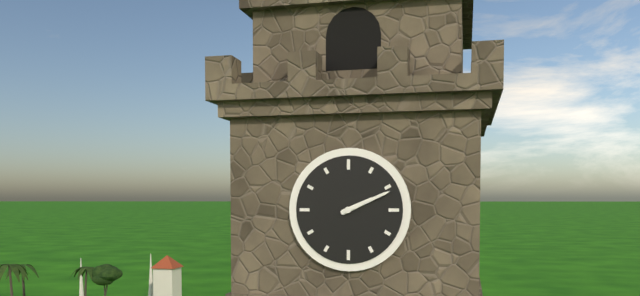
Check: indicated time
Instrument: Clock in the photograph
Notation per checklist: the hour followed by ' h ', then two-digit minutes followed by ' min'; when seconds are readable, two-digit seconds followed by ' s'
2 h 11 min
